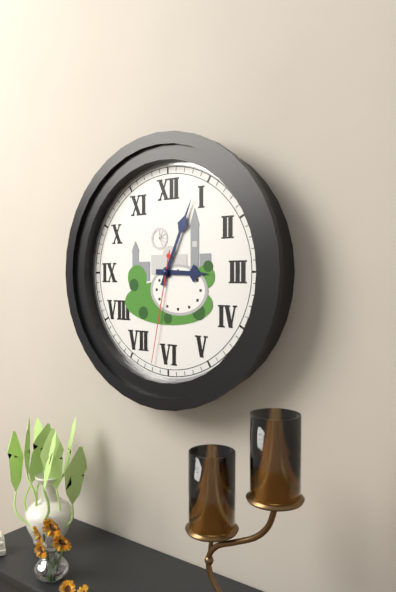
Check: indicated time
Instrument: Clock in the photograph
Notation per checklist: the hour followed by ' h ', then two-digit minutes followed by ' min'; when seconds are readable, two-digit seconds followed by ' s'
3 h 04 min 32 s
